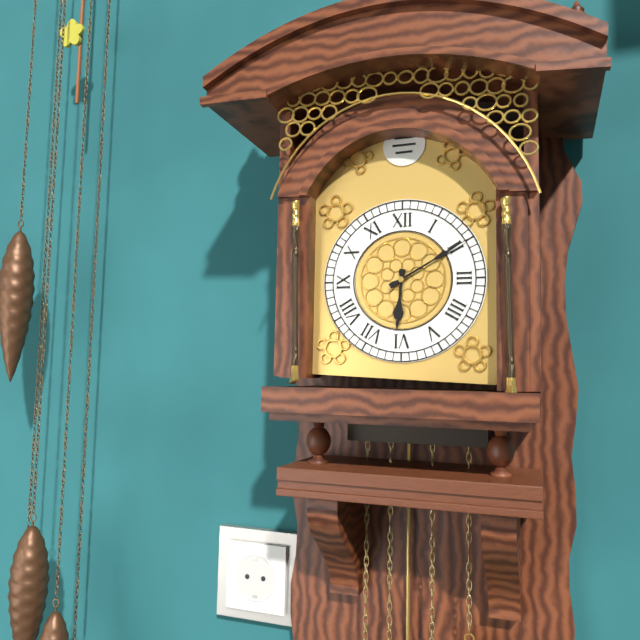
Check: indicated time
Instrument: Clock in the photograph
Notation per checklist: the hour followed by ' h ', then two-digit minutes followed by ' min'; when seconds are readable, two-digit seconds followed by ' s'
6 h 10 min
